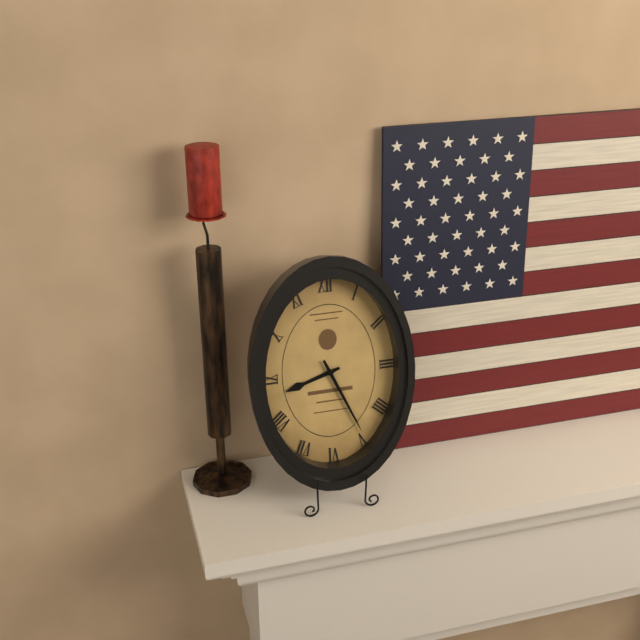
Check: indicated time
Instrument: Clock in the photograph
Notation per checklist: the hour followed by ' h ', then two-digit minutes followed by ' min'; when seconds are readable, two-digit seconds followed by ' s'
8 h 26 min
